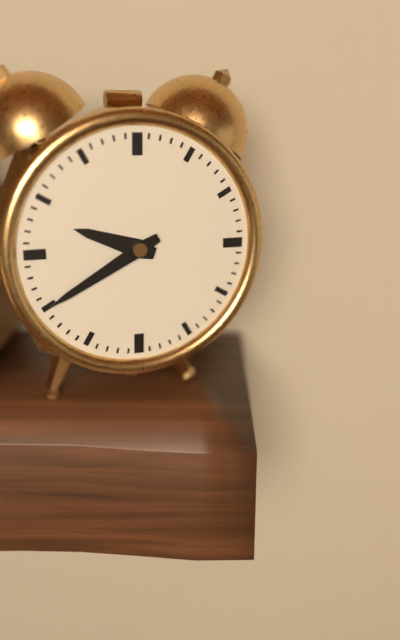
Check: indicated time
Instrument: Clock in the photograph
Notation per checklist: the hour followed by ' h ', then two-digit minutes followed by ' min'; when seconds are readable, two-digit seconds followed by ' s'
9 h 40 min
